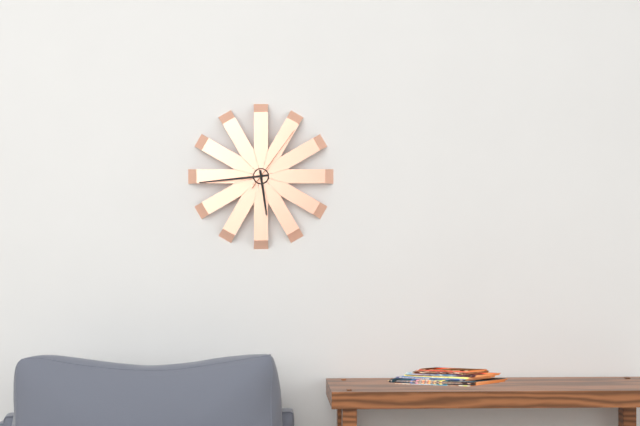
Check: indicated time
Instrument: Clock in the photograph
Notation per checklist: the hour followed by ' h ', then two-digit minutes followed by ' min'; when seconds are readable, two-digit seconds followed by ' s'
5 h 44 min 06 s
